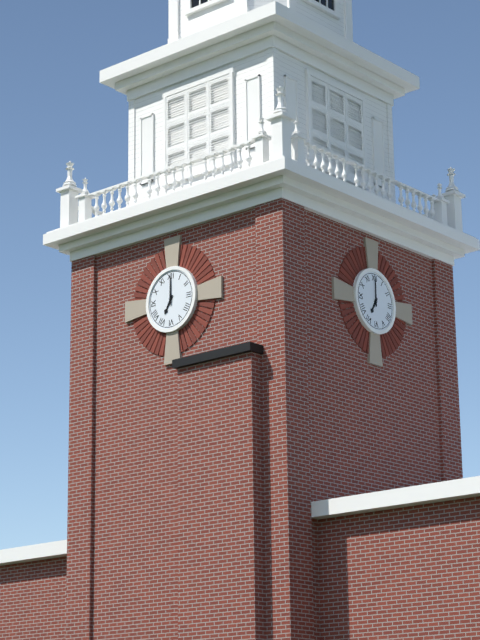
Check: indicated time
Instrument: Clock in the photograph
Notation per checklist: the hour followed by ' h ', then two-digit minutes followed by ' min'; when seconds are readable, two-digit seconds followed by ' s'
7 h 00 min
